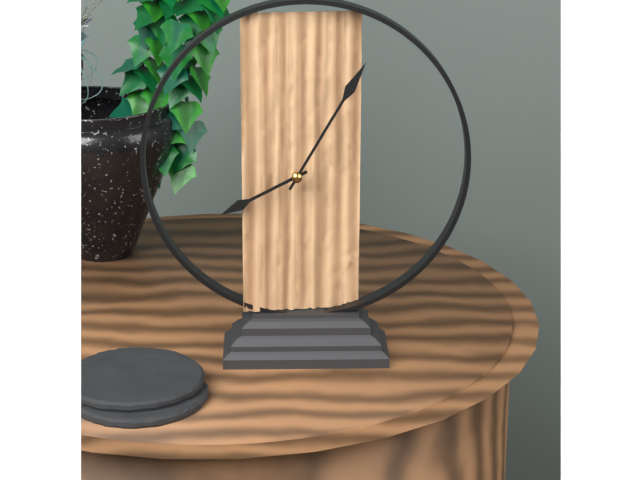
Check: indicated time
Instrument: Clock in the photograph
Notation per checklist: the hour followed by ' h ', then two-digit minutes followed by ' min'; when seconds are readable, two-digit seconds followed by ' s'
8 h 05 min
